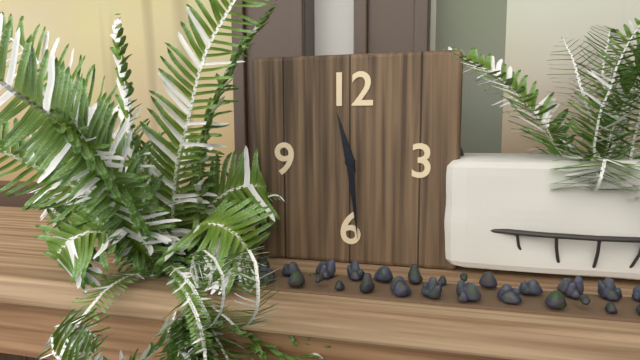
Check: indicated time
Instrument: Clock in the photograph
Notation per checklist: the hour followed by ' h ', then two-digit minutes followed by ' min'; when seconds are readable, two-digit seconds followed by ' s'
11 h 29 min
